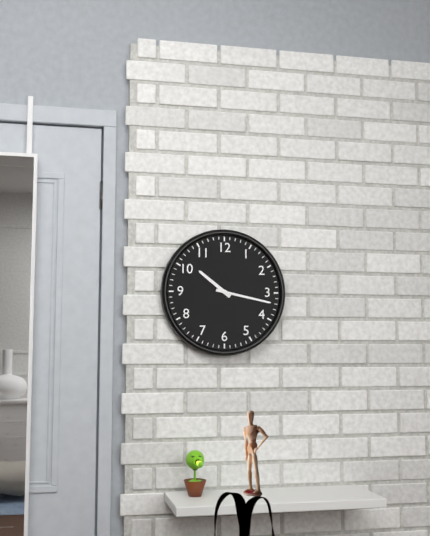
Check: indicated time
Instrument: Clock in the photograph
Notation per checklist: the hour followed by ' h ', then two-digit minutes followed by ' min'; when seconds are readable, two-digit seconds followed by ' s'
10 h 17 min
